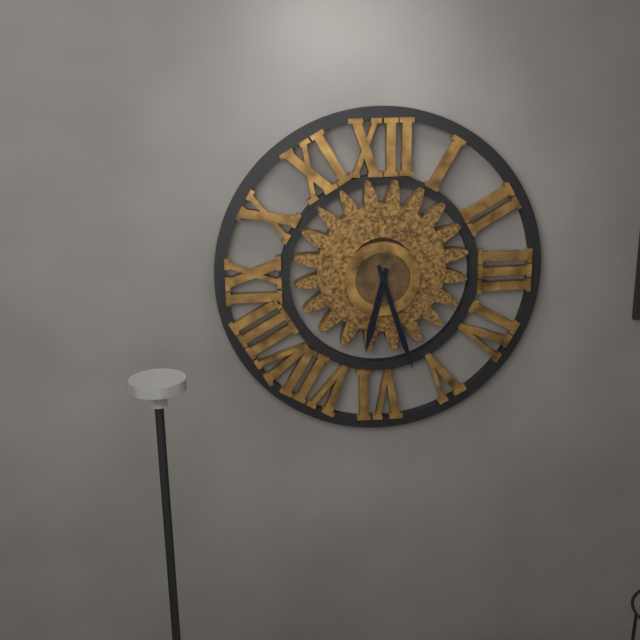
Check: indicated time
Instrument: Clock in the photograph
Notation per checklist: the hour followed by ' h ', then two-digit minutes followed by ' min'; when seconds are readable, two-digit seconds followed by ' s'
6 h 27 min
